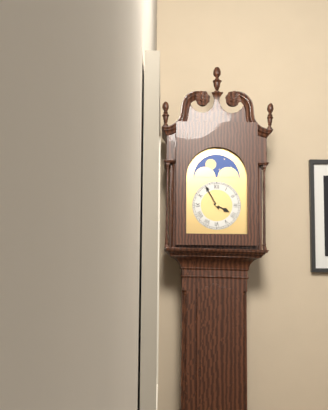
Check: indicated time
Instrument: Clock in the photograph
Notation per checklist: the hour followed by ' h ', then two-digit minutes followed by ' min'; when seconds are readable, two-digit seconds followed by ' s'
3 h 55 min
